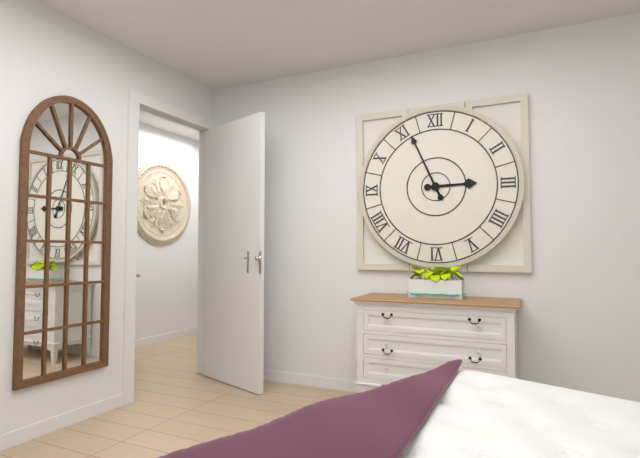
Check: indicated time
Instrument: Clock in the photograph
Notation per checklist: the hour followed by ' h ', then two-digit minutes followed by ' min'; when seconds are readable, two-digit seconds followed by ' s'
2 h 56 min
